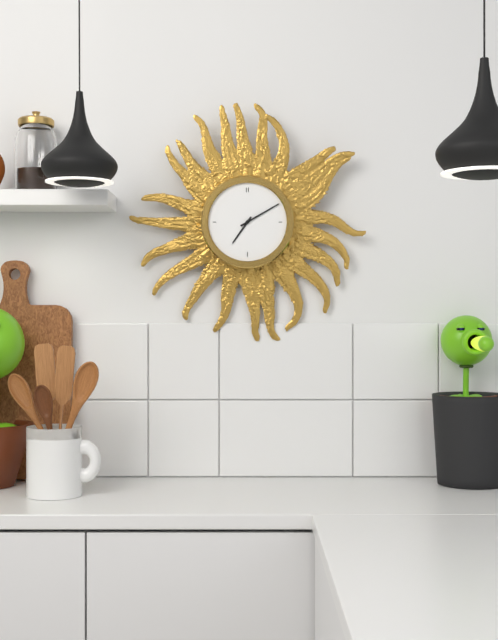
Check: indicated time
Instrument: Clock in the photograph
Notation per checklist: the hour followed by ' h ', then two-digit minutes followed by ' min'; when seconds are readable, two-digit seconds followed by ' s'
7 h 10 min
